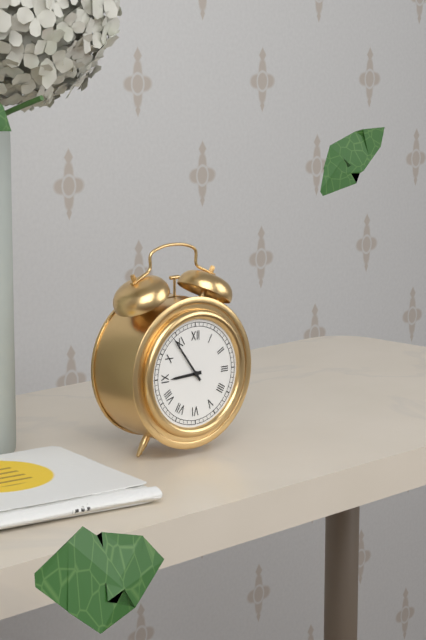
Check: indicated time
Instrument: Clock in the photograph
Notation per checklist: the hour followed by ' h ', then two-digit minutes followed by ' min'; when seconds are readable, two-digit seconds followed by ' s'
8 h 54 min
